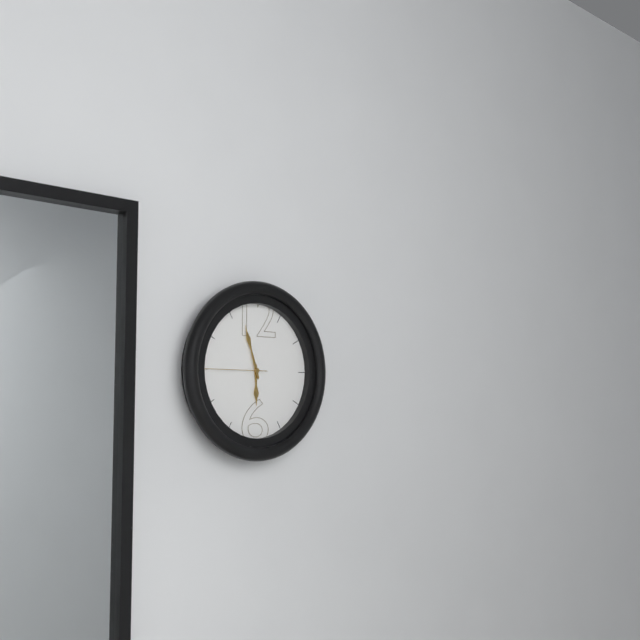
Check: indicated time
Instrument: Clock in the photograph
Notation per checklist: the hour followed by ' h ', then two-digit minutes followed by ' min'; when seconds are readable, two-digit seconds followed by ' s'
5 h 57 min 45 s
